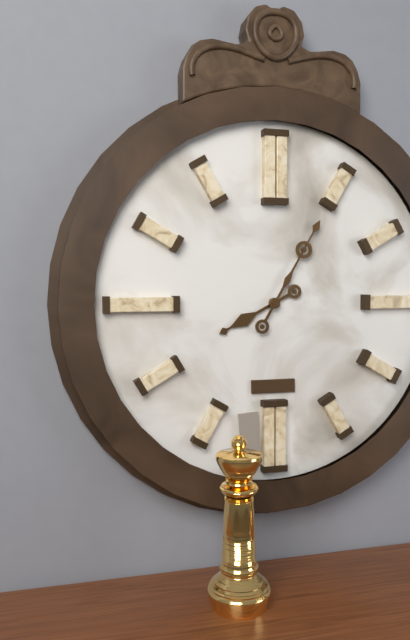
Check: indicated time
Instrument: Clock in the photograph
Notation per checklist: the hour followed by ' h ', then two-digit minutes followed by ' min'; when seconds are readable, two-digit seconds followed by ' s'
8 h 05 min
